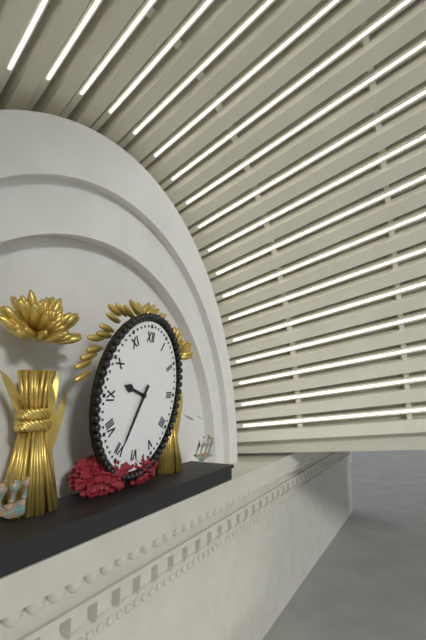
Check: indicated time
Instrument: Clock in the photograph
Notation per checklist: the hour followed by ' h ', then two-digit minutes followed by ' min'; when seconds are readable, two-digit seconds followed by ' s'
9 h 34 min
